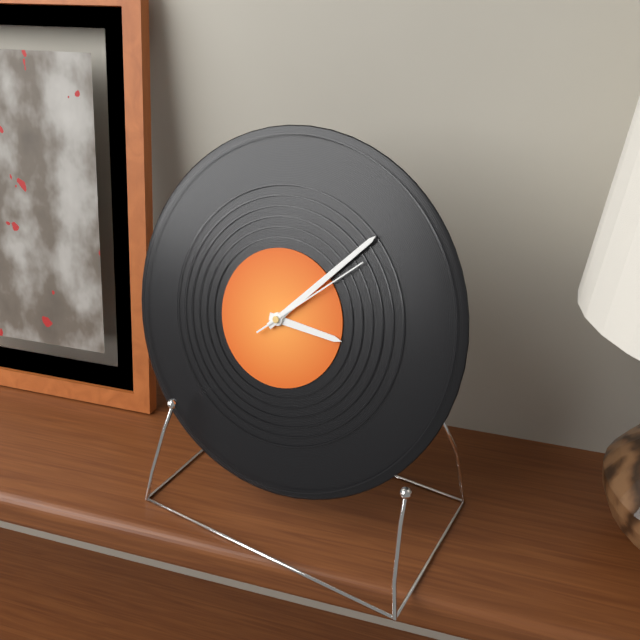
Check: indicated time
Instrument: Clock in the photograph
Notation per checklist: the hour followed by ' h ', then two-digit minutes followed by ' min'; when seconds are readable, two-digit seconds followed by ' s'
3 h 07 min 08 s
